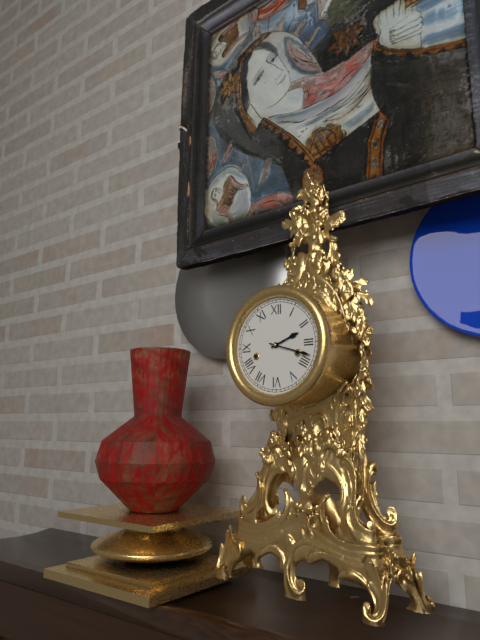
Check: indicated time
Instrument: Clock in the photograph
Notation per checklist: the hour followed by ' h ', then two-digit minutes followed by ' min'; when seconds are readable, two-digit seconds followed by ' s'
2 h 18 min
